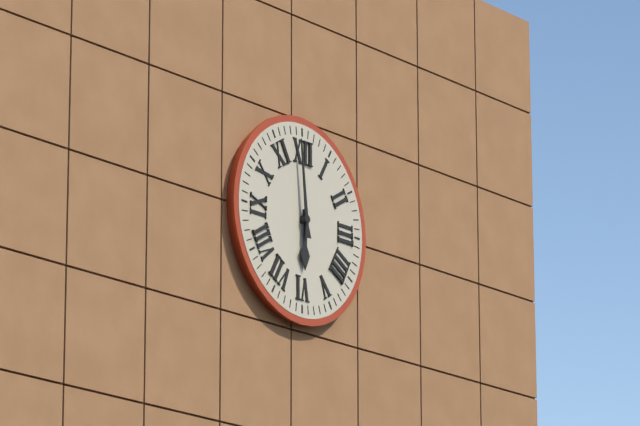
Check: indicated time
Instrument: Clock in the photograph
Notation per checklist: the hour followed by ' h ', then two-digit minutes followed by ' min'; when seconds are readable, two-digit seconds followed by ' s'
5 h 59 min
